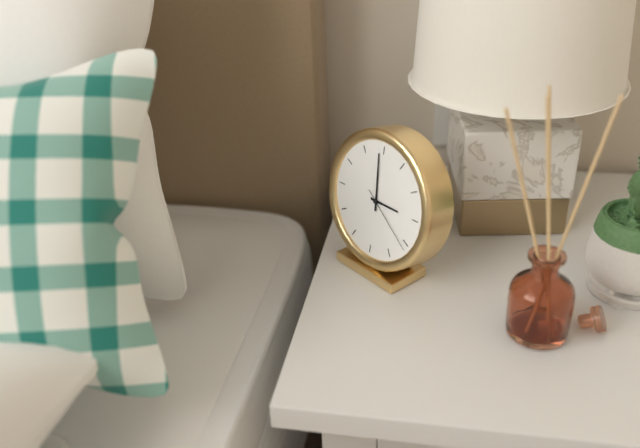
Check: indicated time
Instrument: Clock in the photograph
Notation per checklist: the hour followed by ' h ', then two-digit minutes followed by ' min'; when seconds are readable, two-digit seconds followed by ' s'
2 h 59 min 21 s
